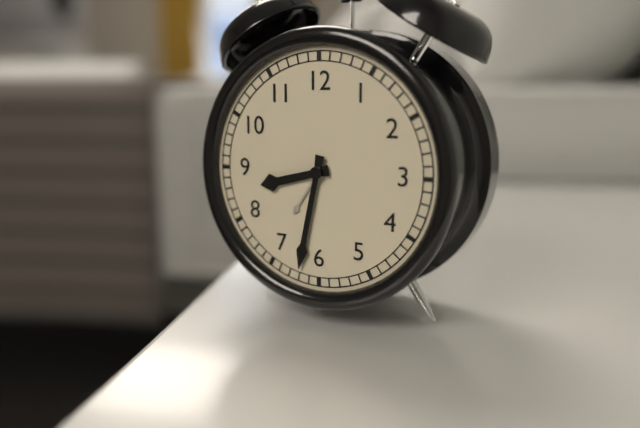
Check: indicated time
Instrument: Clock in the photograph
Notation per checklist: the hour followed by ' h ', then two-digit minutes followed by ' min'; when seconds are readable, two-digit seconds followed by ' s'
8 h 32 min
